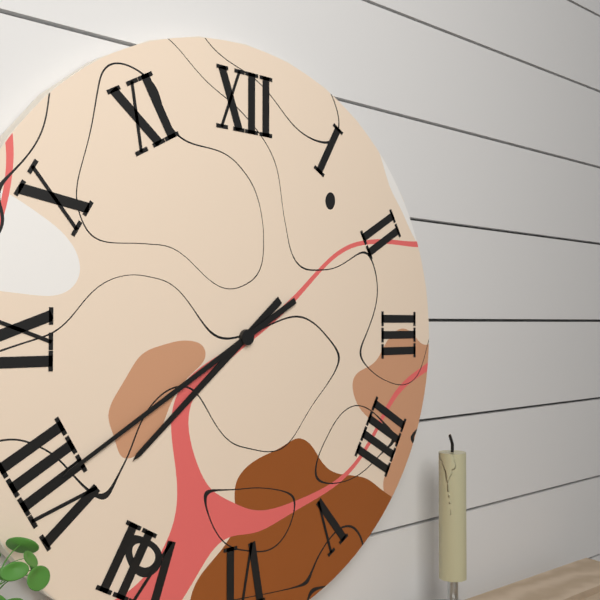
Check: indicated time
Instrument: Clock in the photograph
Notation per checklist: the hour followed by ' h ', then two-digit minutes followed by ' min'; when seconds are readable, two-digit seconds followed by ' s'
7 h 40 min
